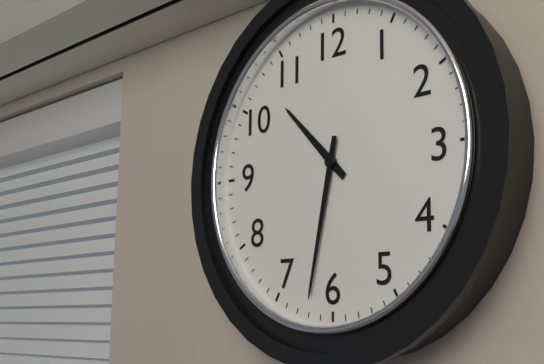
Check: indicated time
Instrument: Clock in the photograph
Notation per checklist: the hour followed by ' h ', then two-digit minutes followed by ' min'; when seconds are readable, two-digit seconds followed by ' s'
10 h 32 min
